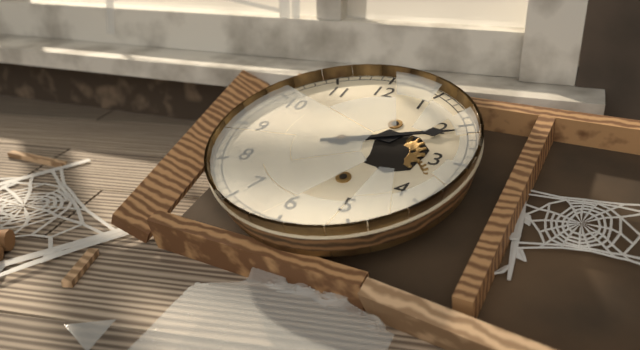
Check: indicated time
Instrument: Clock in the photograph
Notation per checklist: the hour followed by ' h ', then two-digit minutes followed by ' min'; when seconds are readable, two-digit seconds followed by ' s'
2 h 11 min
